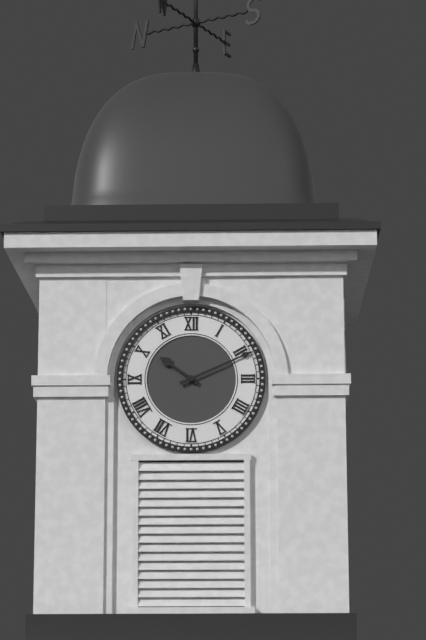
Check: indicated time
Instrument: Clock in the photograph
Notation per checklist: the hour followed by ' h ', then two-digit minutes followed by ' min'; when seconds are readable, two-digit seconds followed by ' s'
10 h 11 min
